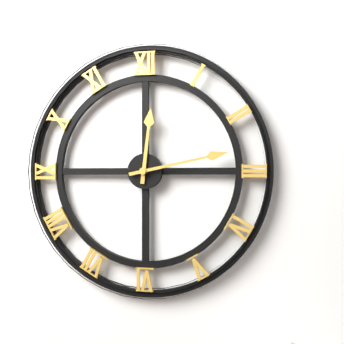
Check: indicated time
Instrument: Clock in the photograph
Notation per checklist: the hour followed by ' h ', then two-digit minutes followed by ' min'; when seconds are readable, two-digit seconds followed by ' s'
12 h 13 min
